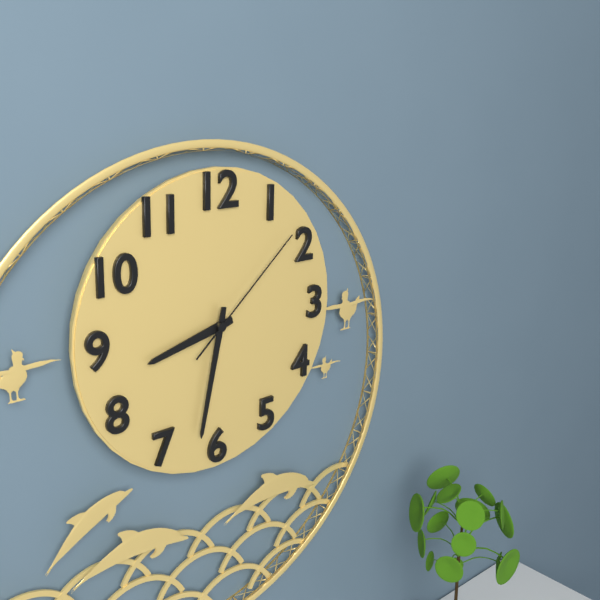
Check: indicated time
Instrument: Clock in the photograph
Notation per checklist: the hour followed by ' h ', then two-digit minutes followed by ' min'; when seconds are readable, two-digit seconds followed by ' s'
8 h 32 min 08 s
